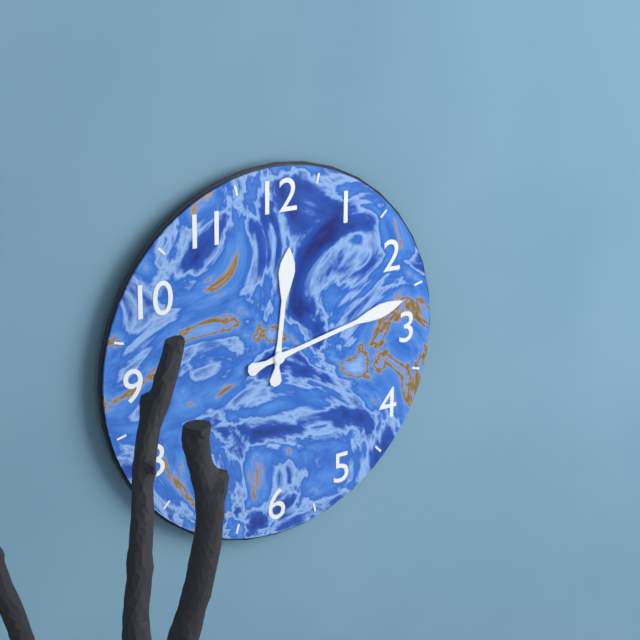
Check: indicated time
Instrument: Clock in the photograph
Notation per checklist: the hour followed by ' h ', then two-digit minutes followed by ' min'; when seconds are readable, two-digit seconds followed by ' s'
12 h 13 min
